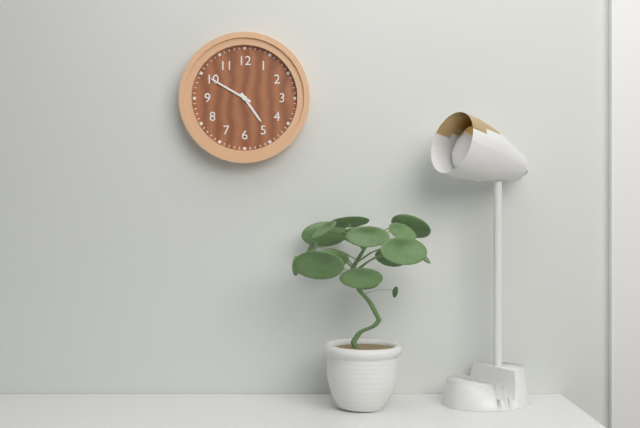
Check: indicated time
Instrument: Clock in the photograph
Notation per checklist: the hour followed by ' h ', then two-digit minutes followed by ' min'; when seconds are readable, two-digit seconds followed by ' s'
4 h 50 min
